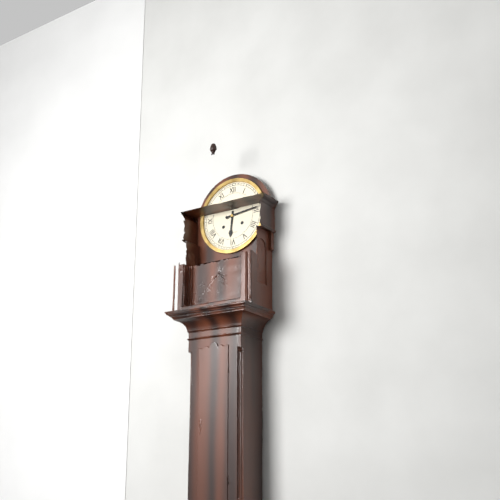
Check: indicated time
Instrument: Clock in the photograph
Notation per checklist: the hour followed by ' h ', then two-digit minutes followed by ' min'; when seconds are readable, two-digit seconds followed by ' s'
6 h 14 min
